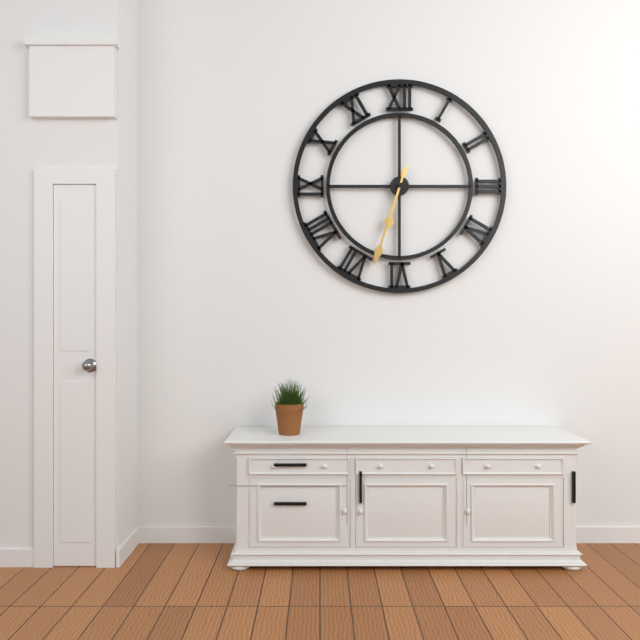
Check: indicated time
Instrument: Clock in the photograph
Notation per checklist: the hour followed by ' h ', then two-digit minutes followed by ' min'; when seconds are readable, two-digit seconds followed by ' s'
6 h 33 min
